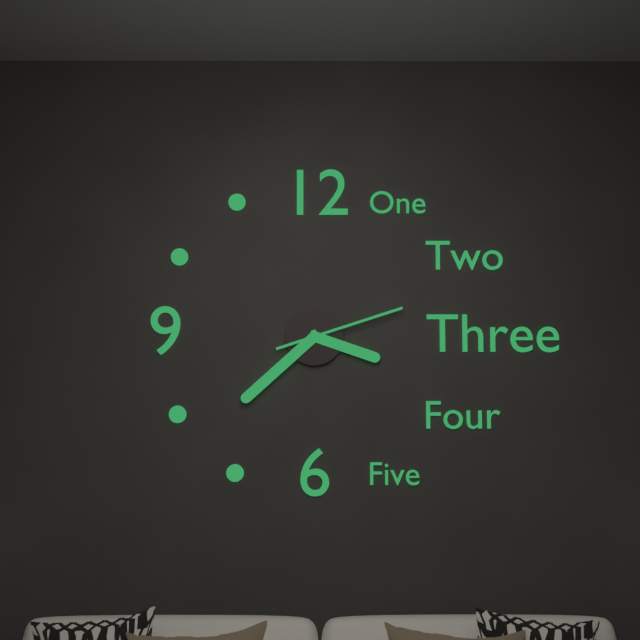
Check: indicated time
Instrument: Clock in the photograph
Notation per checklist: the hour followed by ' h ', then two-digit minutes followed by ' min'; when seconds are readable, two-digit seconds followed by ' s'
3 h 38 min 12 s
